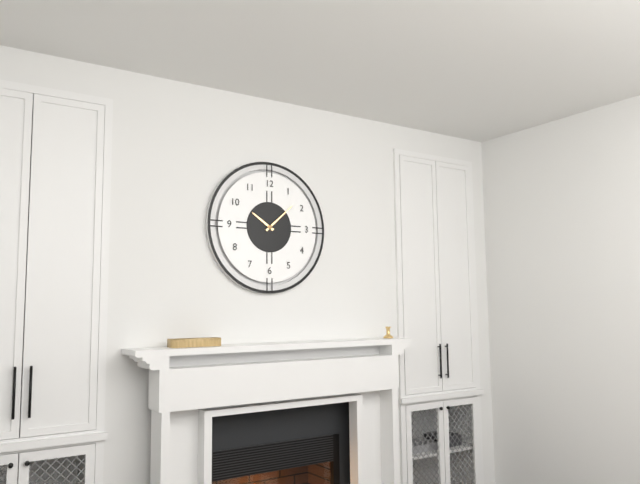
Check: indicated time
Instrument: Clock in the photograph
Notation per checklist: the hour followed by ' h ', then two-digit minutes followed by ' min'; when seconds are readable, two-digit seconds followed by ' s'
10 h 08 min
